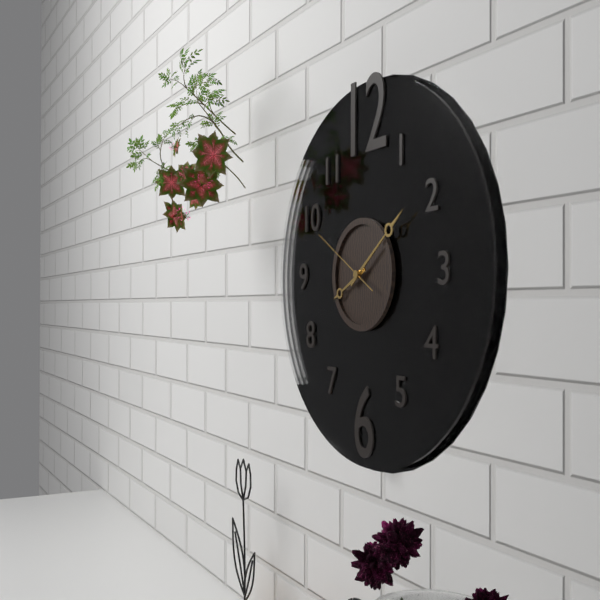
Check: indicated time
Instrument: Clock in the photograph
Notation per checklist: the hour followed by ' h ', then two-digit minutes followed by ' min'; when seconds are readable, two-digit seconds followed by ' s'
8 h 09 min 50 s
